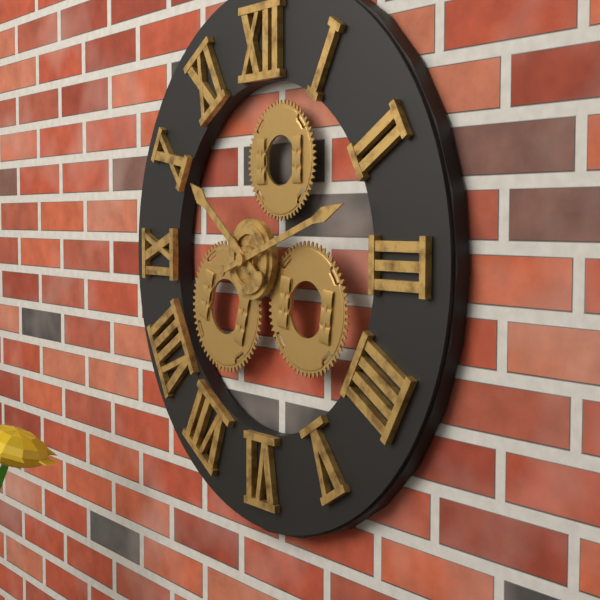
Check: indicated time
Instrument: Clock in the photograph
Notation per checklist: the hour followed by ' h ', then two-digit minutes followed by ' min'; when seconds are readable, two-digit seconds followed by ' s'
10 h 12 min
